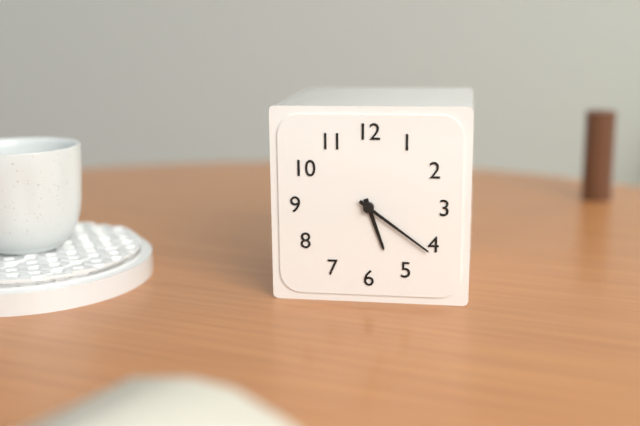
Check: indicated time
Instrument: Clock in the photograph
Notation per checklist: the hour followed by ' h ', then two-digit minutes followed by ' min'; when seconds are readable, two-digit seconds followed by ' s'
5 h 21 min
